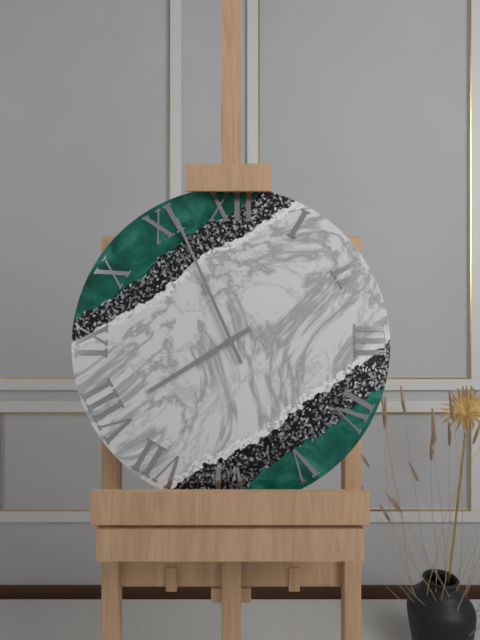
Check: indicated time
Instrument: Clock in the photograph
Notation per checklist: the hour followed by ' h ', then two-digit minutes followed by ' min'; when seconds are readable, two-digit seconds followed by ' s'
7 h 56 min
